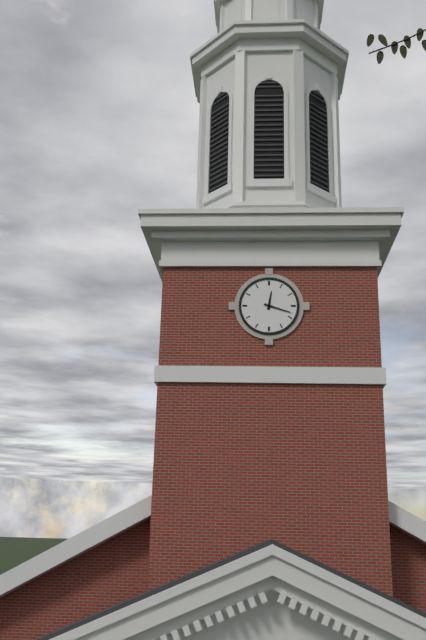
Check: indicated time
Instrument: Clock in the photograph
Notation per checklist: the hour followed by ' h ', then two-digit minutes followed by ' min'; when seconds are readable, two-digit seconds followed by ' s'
12 h 18 min
